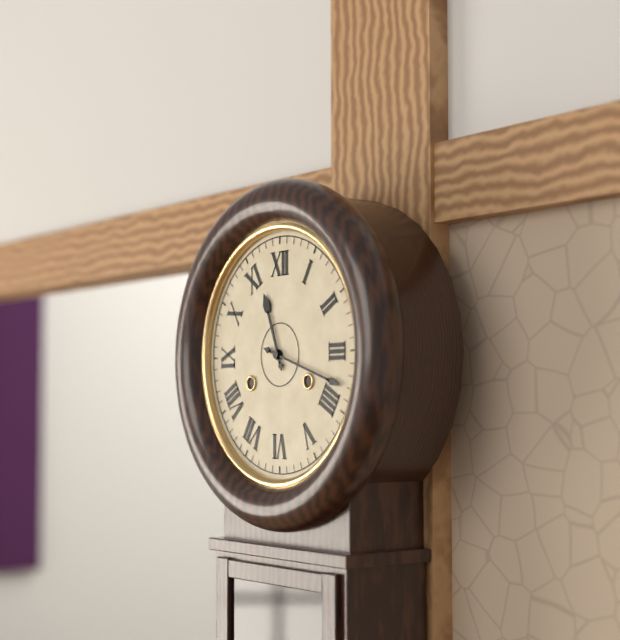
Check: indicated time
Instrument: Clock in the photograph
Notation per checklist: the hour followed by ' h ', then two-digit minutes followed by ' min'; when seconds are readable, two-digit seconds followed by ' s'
11 h 18 min
